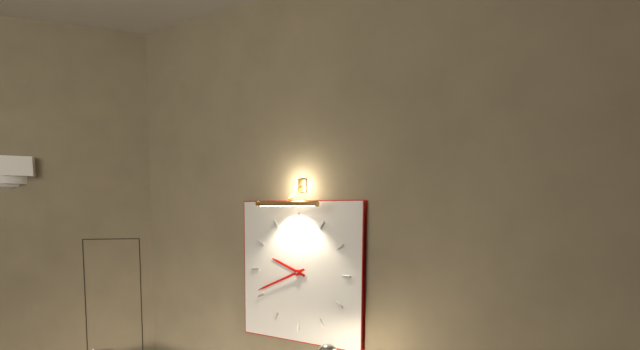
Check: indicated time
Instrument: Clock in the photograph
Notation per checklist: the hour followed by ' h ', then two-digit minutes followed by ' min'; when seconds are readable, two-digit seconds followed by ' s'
9 h 41 min
